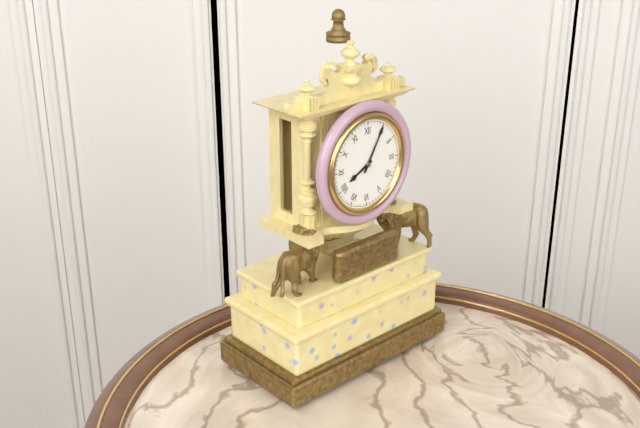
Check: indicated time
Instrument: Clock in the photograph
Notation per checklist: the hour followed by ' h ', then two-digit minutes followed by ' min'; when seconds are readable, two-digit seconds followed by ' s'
8 h 05 min
